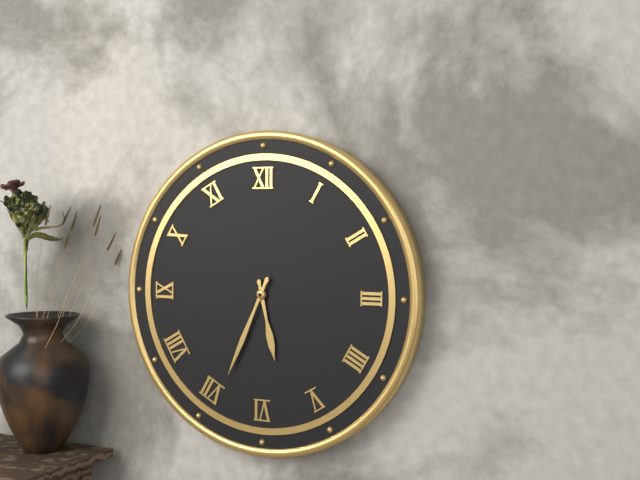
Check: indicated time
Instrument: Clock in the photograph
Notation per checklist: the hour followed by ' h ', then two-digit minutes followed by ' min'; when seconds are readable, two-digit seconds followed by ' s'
5 h 34 min
